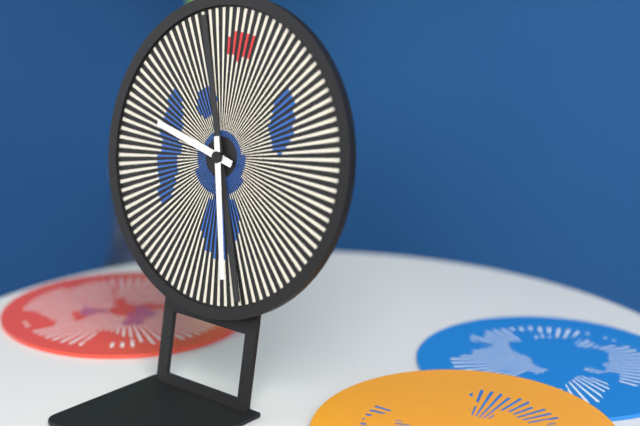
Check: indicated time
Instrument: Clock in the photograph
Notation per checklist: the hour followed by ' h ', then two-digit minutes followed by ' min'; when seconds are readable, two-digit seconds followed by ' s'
9 h 28 min
